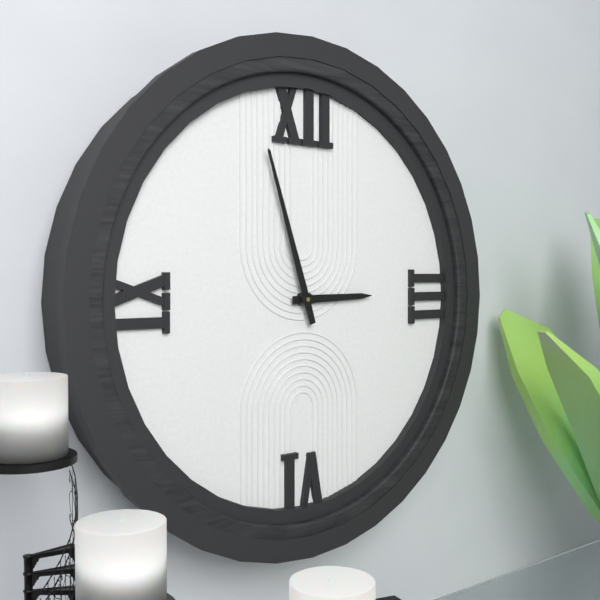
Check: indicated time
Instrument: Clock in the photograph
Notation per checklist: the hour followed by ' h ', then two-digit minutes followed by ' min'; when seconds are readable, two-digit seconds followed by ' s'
2 h 57 min
